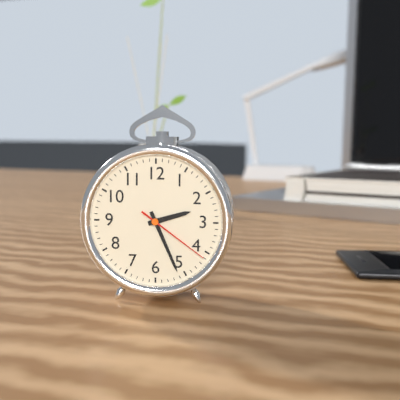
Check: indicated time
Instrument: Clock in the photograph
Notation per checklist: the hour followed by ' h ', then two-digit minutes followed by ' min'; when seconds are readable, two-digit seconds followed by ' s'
2 h 26 min 21 s
